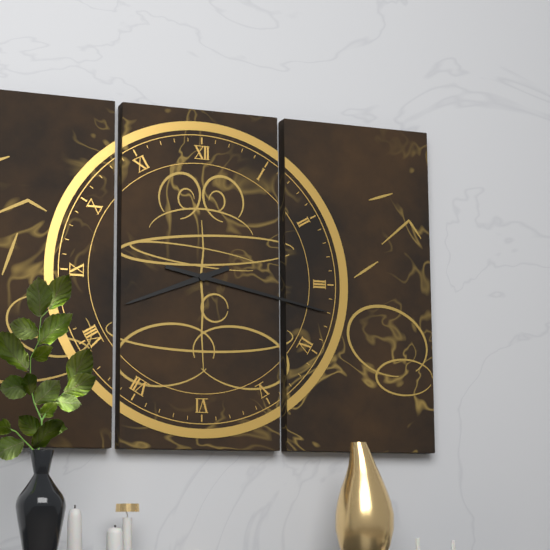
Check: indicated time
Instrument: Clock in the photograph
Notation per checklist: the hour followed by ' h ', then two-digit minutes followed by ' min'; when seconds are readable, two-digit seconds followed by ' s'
8 h 17 min
